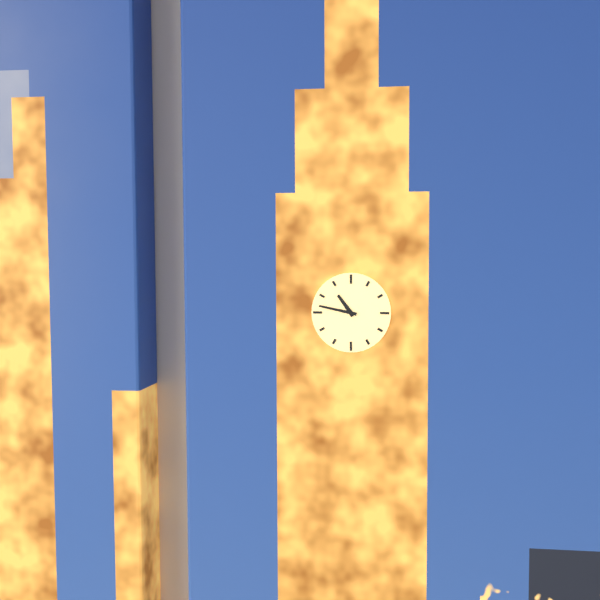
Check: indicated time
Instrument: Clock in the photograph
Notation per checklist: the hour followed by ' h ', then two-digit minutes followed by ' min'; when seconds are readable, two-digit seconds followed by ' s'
10 h 47 min
